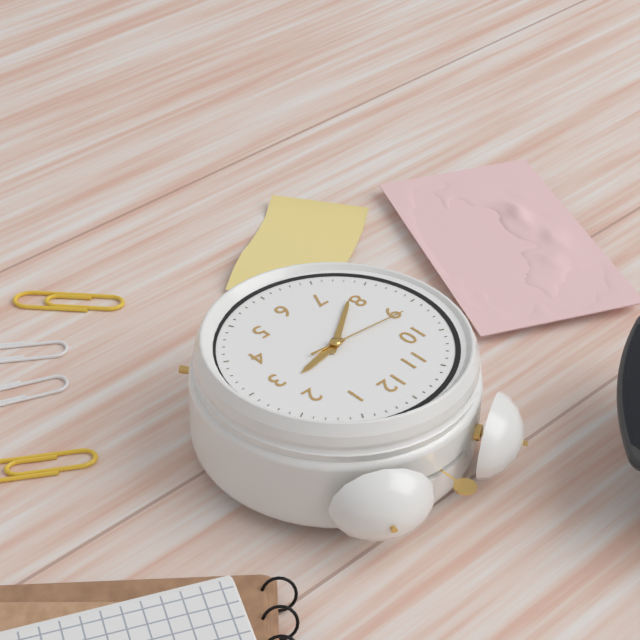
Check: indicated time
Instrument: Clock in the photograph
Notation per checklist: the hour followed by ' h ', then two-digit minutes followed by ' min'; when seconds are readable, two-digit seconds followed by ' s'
2 h 39 min 46 s
